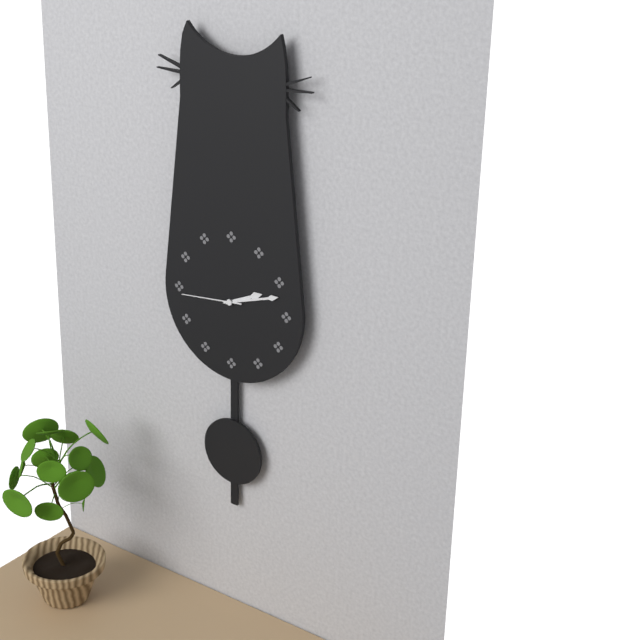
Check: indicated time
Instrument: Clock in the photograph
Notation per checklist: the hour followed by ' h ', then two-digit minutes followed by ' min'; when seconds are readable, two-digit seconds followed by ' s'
2 h 12 min 44 s
